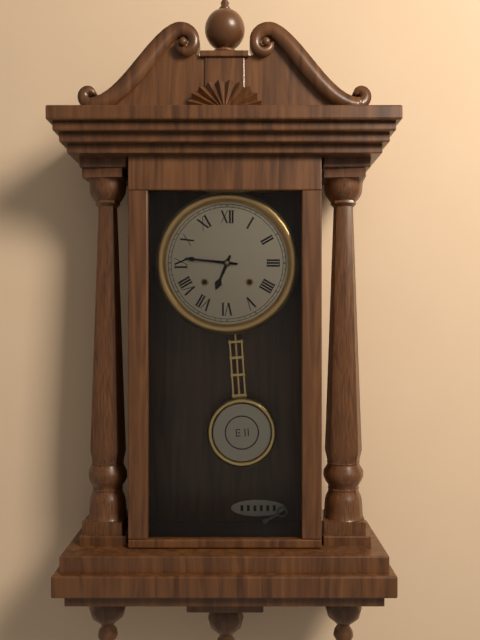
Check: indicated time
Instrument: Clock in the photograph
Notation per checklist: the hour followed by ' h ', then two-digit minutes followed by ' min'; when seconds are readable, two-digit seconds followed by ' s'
6 h 46 min
